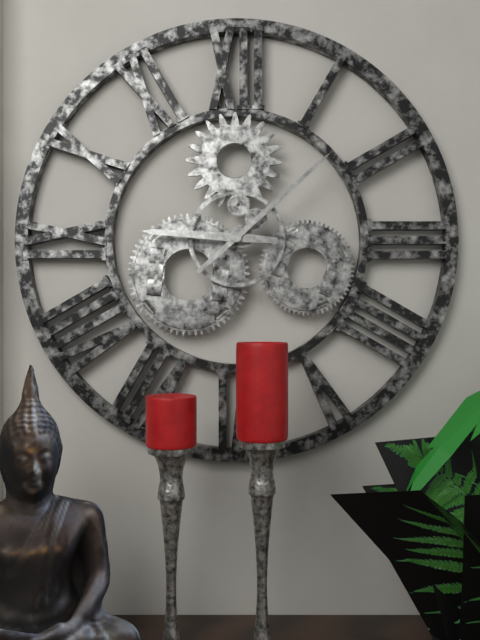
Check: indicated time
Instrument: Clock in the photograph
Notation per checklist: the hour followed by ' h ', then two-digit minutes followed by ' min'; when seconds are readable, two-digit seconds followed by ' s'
9 h 08 min
